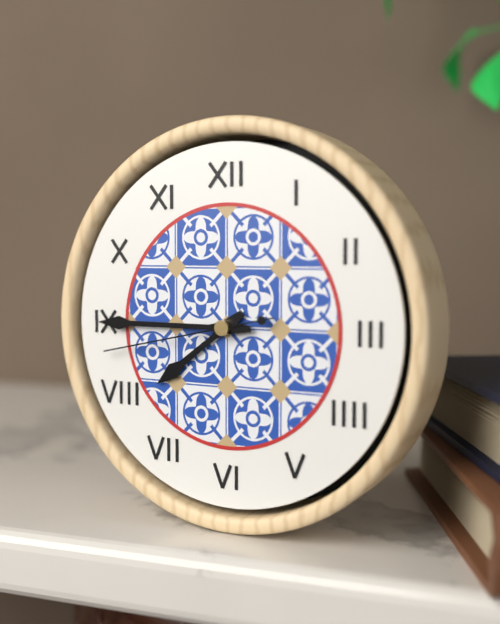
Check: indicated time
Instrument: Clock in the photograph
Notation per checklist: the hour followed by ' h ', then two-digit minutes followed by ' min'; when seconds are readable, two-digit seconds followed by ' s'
7 h 45 min 43 s
